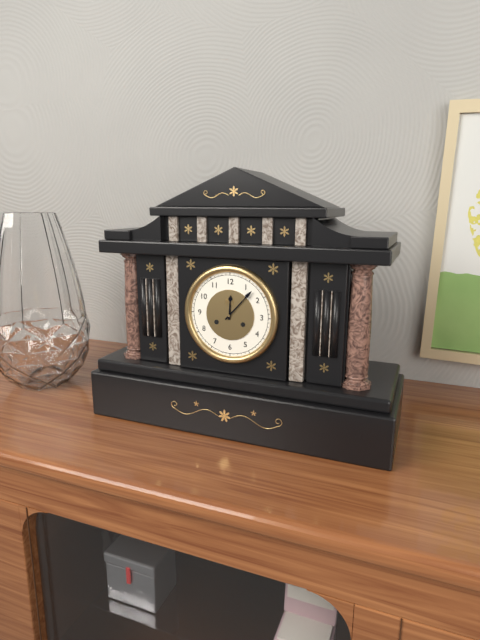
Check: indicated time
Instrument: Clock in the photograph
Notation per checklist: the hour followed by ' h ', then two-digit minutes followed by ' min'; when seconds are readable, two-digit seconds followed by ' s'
12 h 07 min
